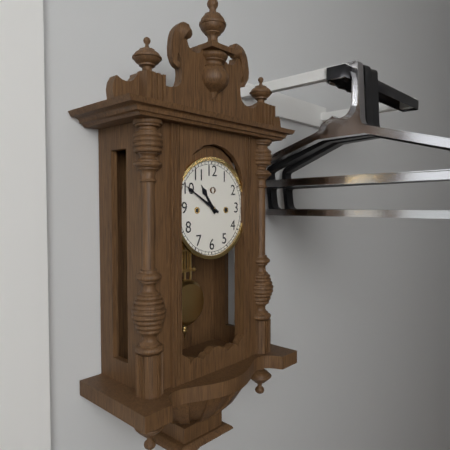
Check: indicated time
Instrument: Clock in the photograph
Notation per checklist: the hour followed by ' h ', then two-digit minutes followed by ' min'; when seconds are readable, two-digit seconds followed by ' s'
10 h 50 min
